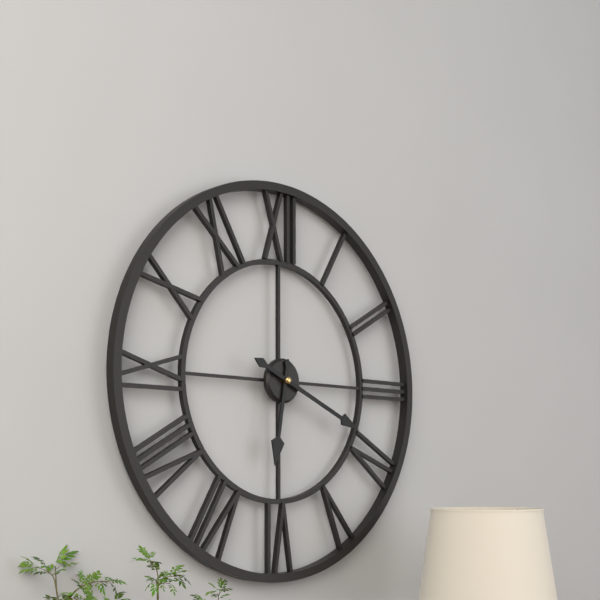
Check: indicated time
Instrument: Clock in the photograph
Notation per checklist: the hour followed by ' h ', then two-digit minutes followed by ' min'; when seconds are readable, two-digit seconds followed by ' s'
6 h 19 min
